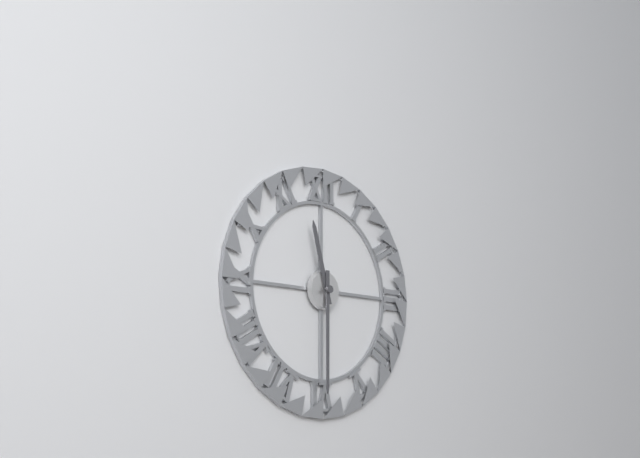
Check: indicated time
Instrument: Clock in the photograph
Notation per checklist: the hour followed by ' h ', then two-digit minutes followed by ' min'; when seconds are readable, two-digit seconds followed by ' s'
11 h 30 min
